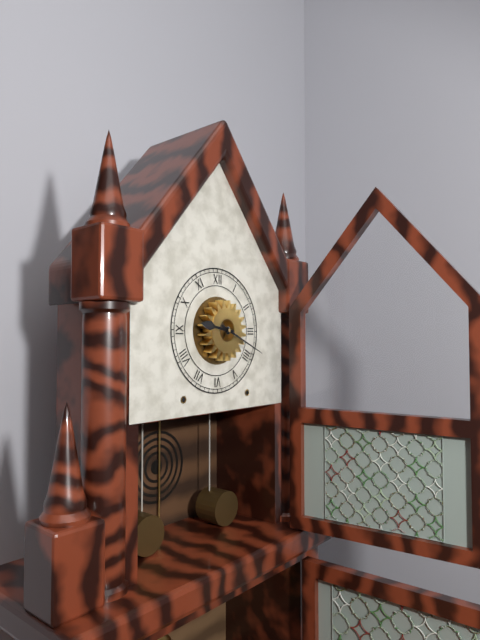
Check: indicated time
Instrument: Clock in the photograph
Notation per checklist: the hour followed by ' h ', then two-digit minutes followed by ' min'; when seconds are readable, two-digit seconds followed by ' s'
9 h 19 min
